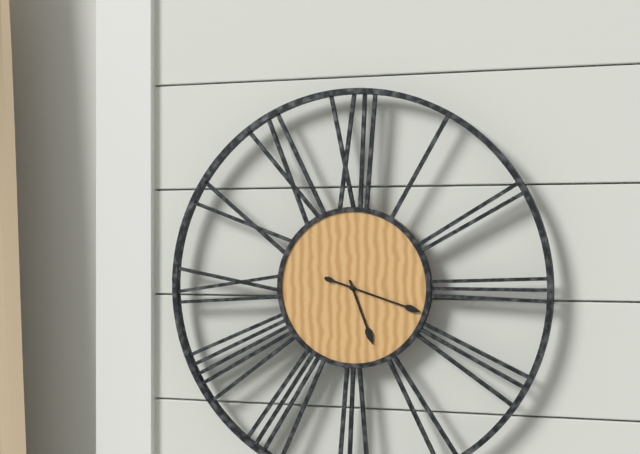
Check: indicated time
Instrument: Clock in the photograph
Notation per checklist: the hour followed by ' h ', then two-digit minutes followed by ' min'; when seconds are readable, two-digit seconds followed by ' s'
5 h 18 min
